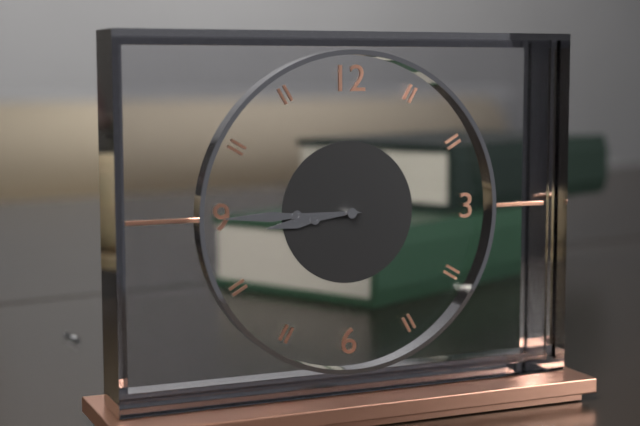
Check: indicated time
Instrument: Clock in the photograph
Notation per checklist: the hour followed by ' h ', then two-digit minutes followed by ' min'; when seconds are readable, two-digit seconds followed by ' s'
8 h 45 min
